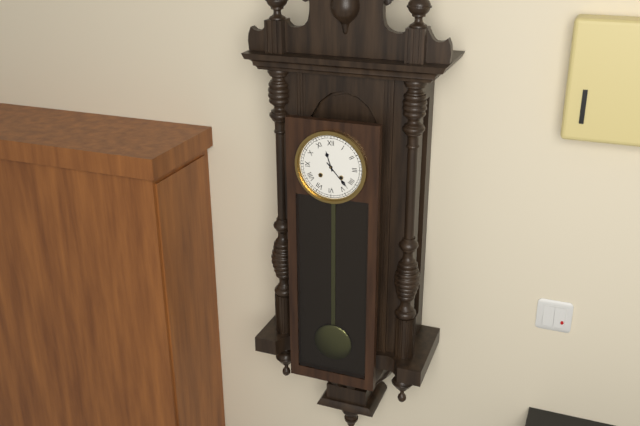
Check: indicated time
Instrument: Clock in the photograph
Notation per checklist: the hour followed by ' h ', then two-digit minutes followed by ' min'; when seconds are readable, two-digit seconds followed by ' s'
11 h 23 min
